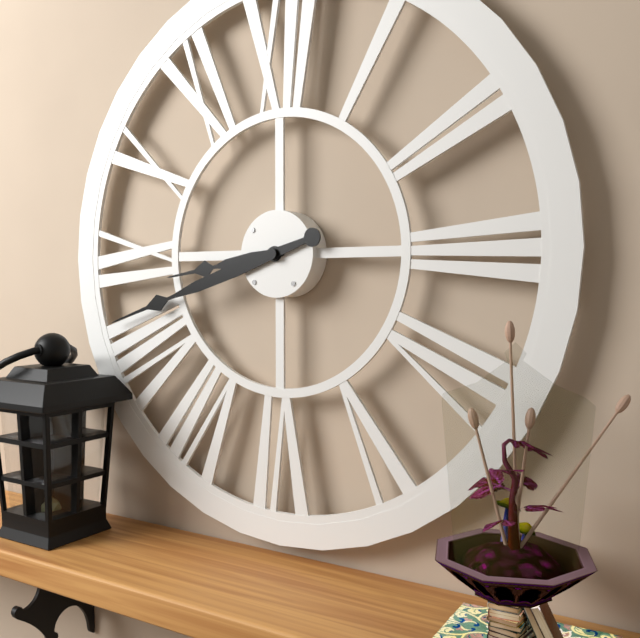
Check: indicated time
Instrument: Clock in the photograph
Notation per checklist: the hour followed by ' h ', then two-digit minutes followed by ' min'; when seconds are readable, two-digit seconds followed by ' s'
8 h 42 min
